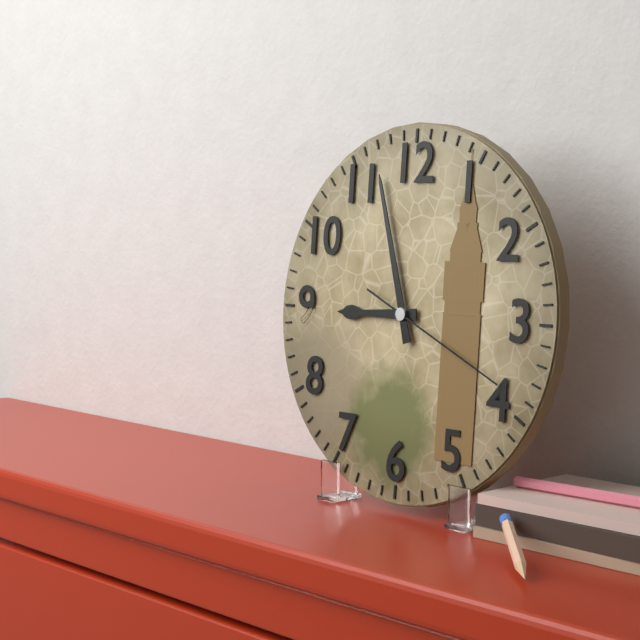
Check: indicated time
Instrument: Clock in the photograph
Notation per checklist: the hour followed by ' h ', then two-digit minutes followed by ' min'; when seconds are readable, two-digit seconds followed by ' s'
8 h 57 min 19 s
